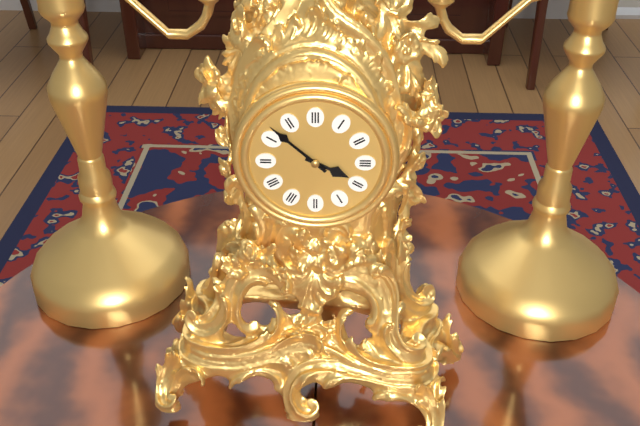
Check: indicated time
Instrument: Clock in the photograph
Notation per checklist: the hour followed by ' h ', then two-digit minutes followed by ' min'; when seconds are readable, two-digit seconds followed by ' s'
3 h 52 min
